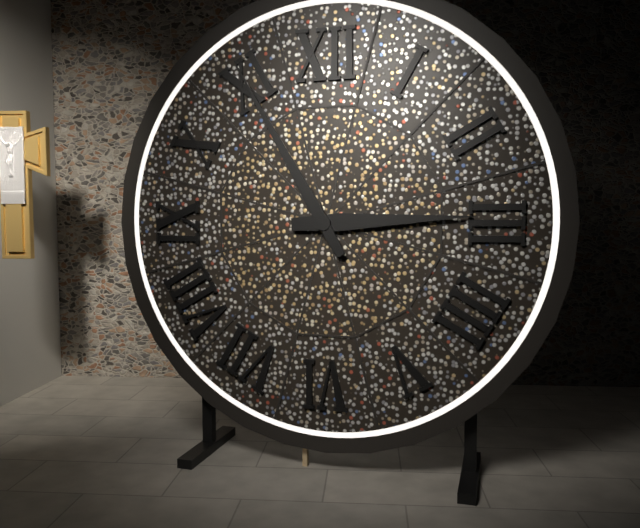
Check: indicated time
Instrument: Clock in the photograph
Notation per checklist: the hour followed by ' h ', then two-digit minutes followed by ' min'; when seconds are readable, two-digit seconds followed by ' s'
2 h 55 min
